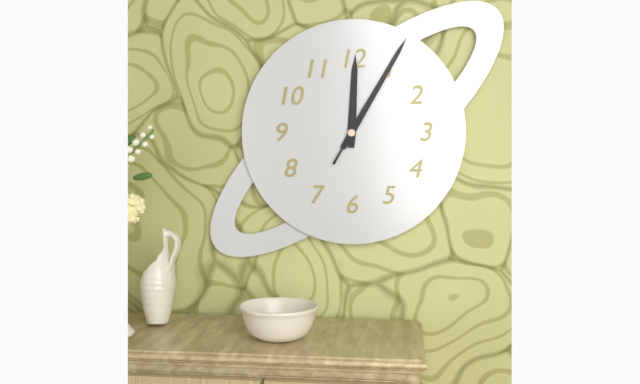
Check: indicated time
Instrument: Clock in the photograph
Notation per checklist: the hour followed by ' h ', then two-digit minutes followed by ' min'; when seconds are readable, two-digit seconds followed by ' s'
12 h 05 min 05 s
